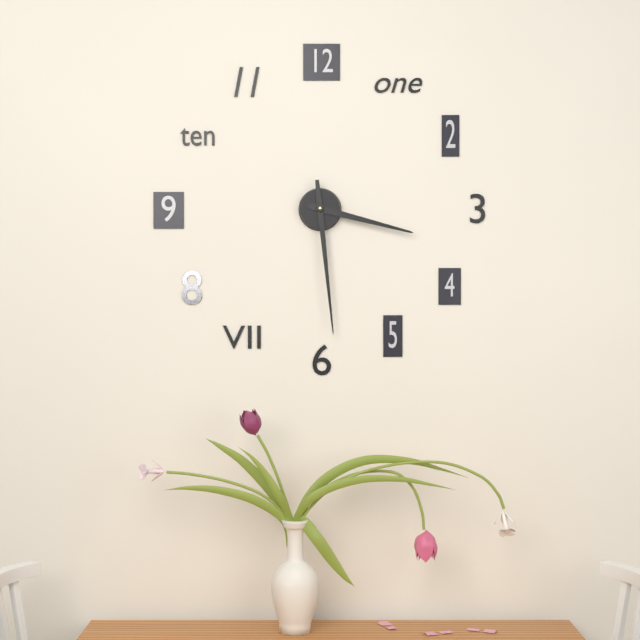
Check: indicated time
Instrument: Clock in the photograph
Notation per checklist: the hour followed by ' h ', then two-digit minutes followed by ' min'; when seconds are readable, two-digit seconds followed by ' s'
3 h 29 min
